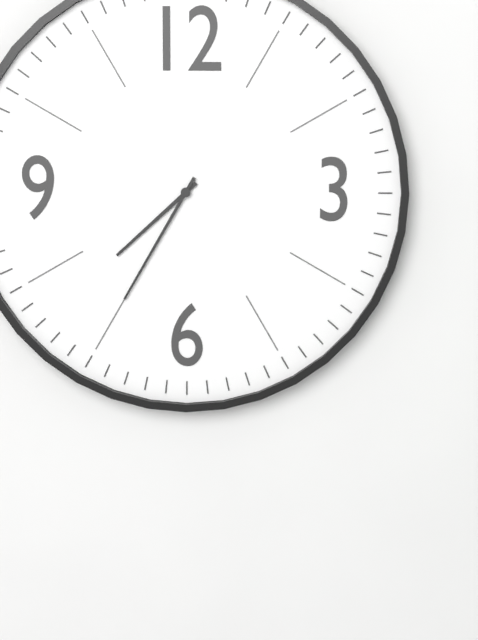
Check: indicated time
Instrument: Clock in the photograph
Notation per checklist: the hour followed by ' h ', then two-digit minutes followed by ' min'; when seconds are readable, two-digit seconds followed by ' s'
7 h 35 min
